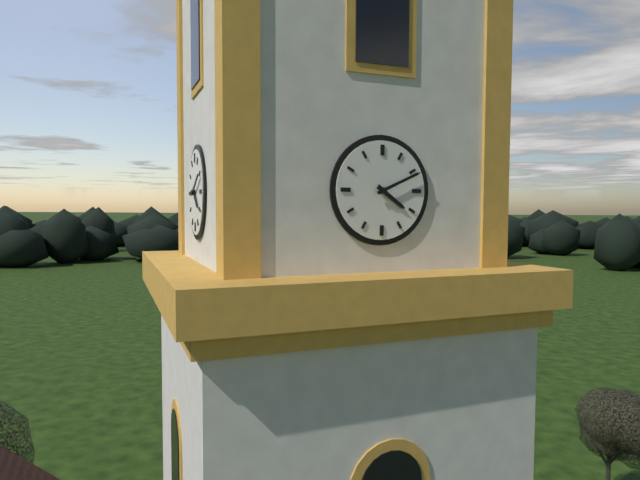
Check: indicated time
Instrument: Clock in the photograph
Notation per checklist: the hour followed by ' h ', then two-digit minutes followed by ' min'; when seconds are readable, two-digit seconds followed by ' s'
4 h 11 min
